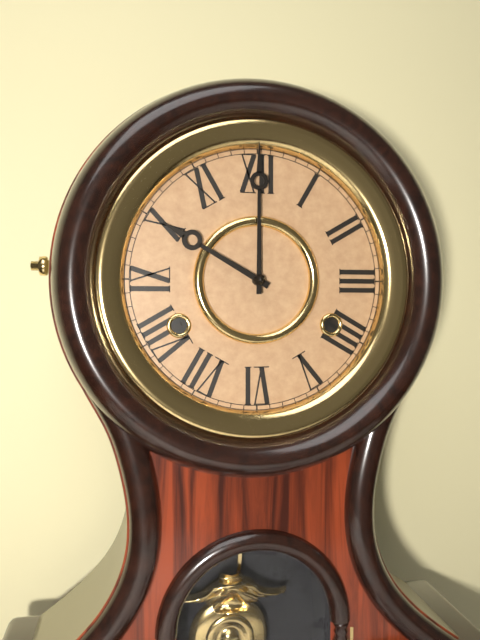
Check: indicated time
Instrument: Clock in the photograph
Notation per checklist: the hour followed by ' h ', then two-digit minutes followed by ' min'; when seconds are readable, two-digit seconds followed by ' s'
10 h 00 min
